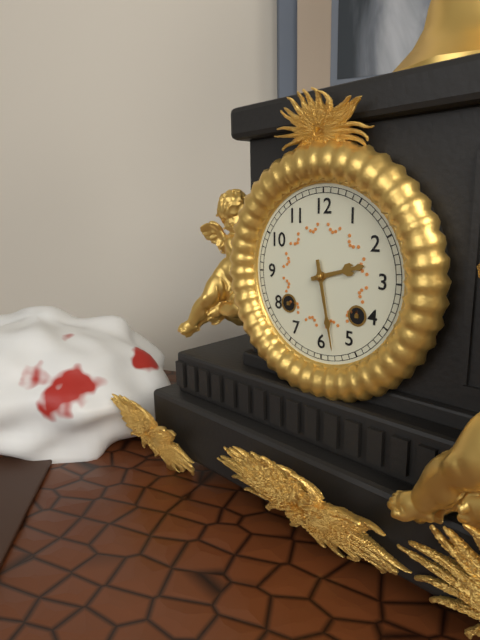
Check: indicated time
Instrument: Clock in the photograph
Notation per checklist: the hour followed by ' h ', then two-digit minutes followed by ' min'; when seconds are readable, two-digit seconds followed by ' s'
2 h 28 min
